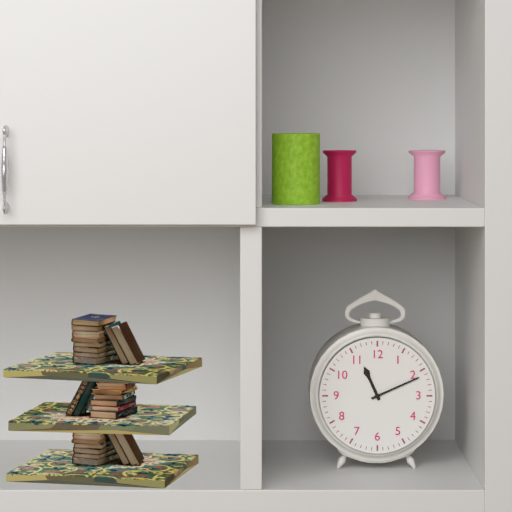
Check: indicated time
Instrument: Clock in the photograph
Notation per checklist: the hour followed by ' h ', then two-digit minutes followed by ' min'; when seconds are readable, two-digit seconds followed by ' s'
11 h 11 min
